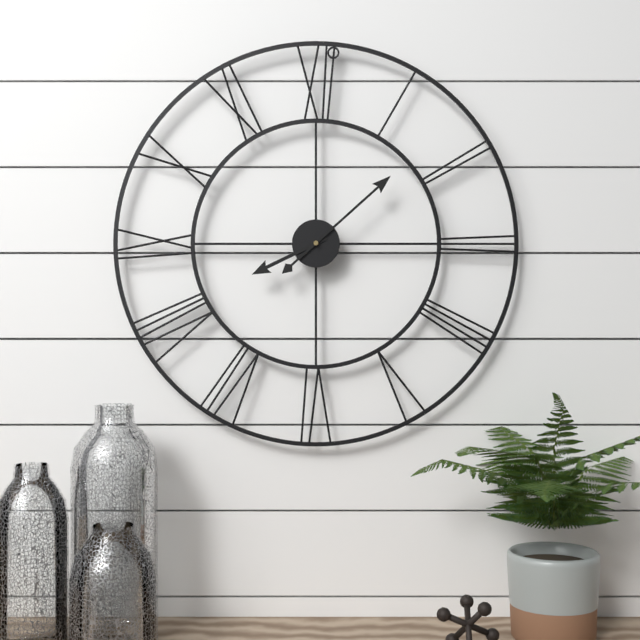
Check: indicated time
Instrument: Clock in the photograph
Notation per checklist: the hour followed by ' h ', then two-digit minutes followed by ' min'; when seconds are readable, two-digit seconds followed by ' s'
8 h 08 min
